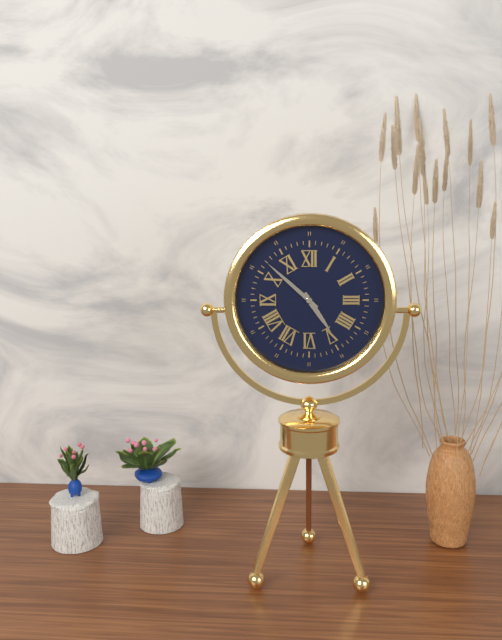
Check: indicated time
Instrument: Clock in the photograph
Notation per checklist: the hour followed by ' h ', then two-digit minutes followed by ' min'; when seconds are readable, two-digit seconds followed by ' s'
4 h 52 min
